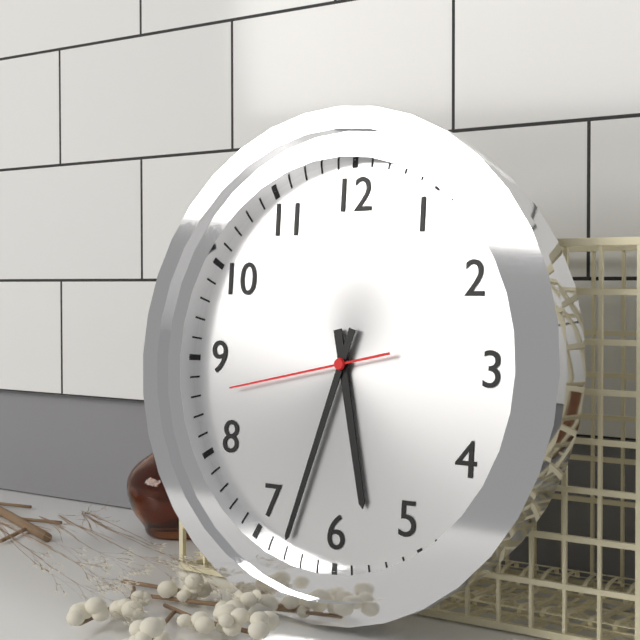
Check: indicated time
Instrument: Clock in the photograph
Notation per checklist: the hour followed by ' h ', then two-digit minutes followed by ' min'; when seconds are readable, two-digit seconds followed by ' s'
5 h 33 min 43 s
